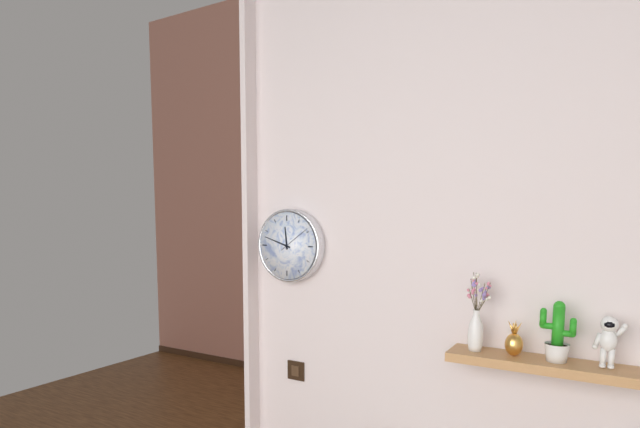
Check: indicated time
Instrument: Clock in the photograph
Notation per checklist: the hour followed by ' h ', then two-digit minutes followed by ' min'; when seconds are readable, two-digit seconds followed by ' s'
11 h 48 min
